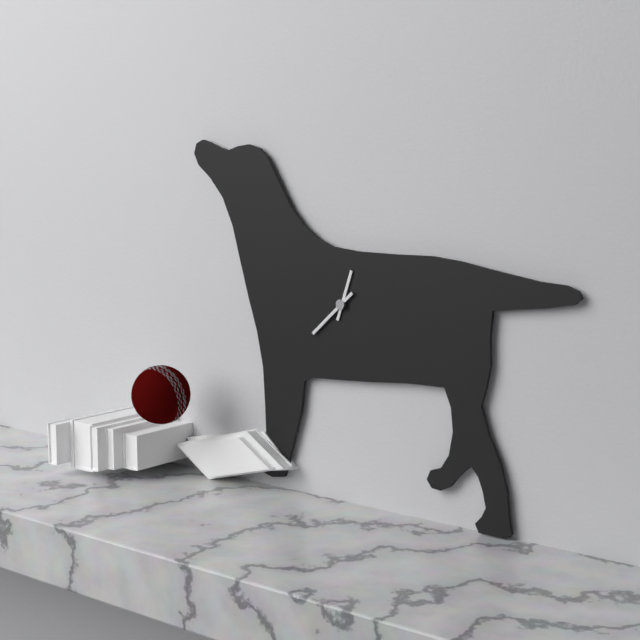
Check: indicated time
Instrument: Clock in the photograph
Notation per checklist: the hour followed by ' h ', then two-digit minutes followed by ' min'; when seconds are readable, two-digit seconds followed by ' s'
12 h 38 min
